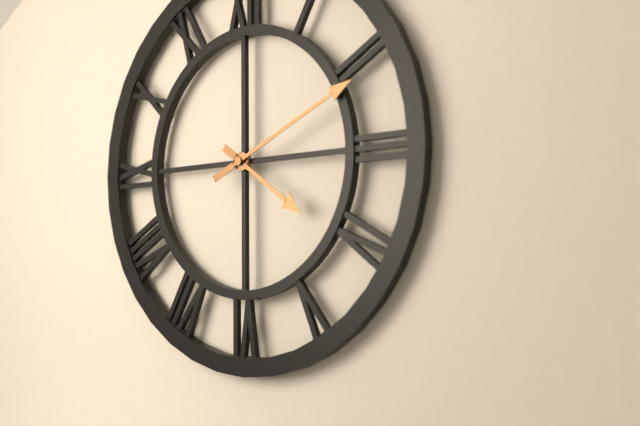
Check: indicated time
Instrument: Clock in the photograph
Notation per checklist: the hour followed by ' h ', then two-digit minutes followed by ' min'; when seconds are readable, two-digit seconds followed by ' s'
4 h 11 min
